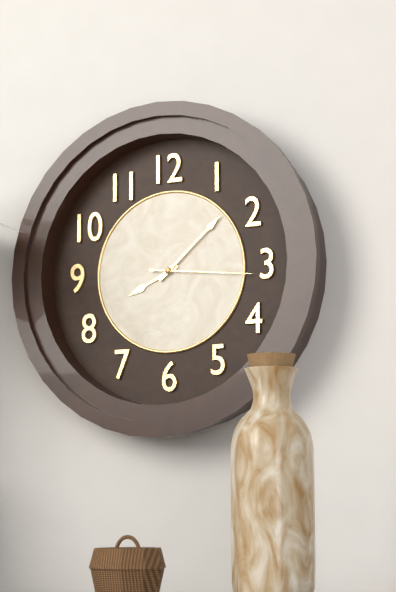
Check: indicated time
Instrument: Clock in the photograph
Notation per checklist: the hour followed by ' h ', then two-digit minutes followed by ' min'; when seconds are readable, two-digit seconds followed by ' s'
8 h 08 min 16 s
